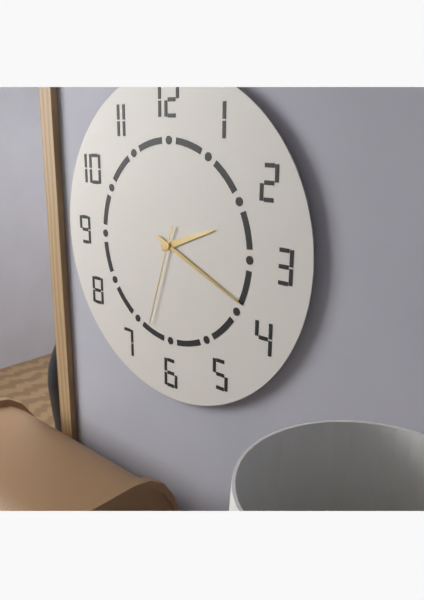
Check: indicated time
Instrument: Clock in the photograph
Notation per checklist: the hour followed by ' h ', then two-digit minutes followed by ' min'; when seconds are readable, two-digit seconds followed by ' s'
2 h 19 min 33 s
